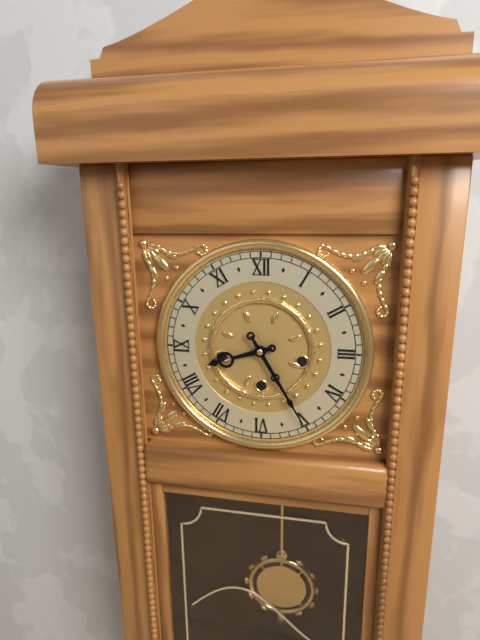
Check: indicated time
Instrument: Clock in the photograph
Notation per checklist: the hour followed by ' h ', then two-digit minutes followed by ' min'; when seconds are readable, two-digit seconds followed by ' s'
8 h 25 min
